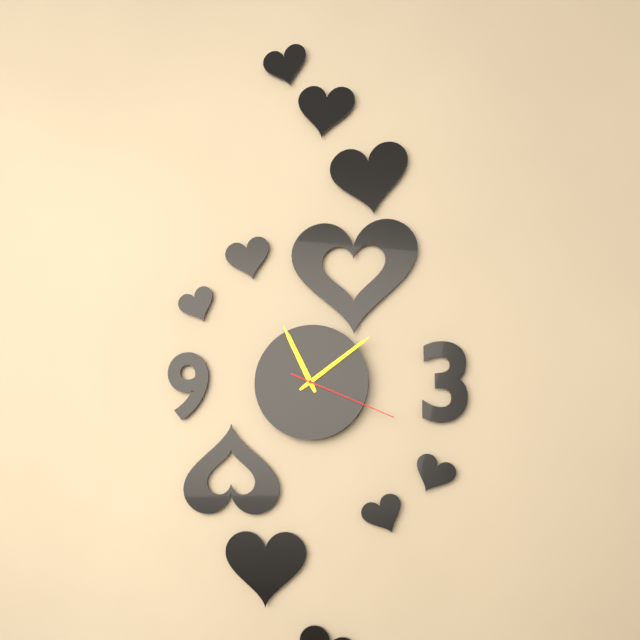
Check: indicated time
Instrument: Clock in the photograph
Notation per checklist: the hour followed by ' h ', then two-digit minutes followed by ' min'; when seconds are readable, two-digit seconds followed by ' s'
11 h 09 min 19 s
